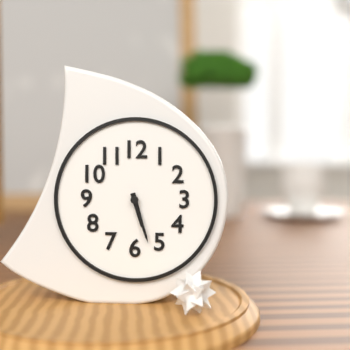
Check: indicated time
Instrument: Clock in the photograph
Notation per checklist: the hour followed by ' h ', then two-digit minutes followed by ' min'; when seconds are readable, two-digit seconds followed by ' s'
5 h 27 min
